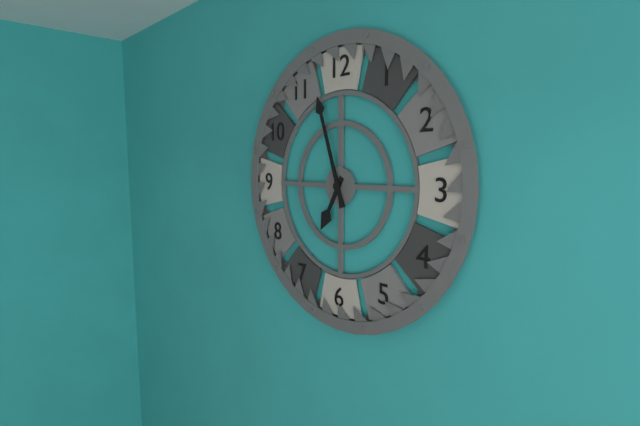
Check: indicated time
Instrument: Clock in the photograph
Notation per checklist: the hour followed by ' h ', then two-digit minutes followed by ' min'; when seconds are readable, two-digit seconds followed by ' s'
6 h 57 min
